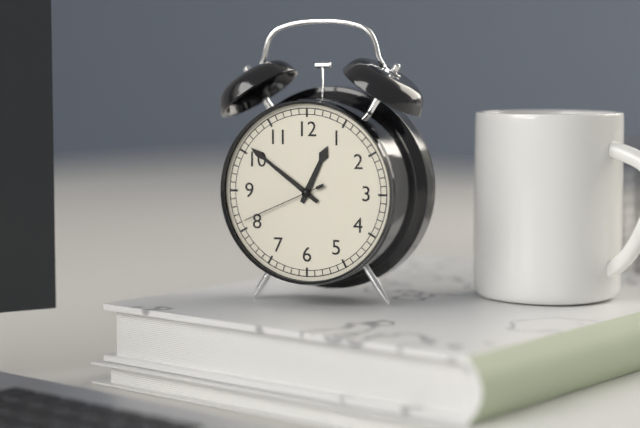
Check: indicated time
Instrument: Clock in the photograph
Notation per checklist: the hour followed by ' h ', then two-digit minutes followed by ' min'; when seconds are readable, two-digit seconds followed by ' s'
12 h 51 min 41 s
